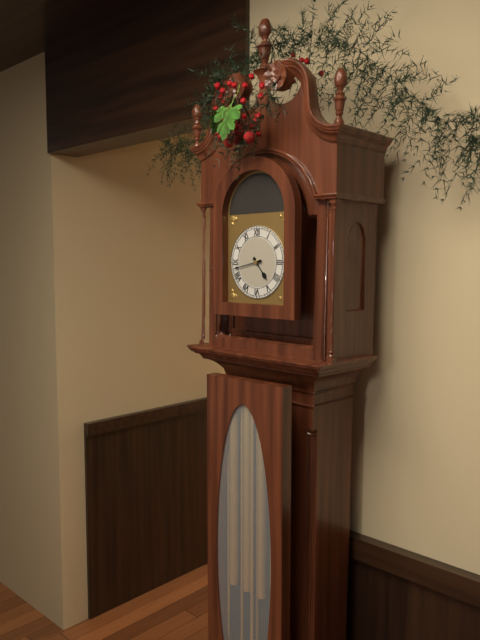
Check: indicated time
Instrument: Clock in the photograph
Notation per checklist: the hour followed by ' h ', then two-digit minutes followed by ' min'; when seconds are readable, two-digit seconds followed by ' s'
4 h 43 min
